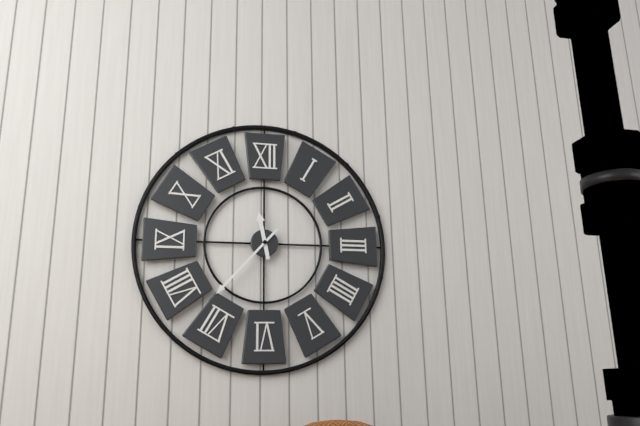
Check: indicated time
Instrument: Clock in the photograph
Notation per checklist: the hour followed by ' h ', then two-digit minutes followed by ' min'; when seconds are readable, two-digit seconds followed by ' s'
11 h 37 min
